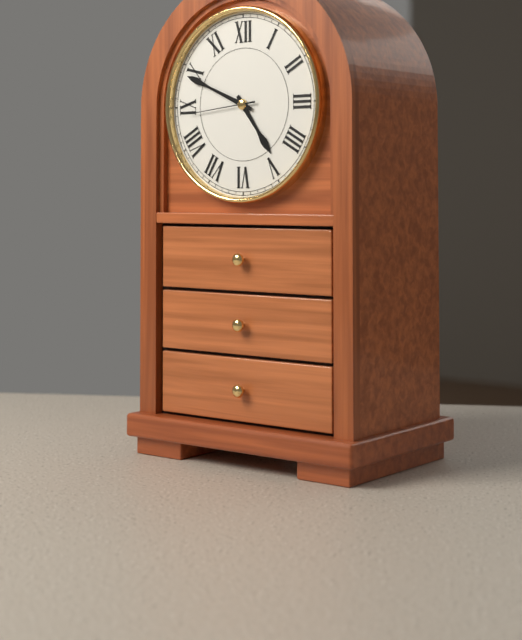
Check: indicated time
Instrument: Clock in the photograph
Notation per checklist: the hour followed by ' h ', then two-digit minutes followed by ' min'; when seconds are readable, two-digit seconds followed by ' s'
4 h 49 min 44 s
